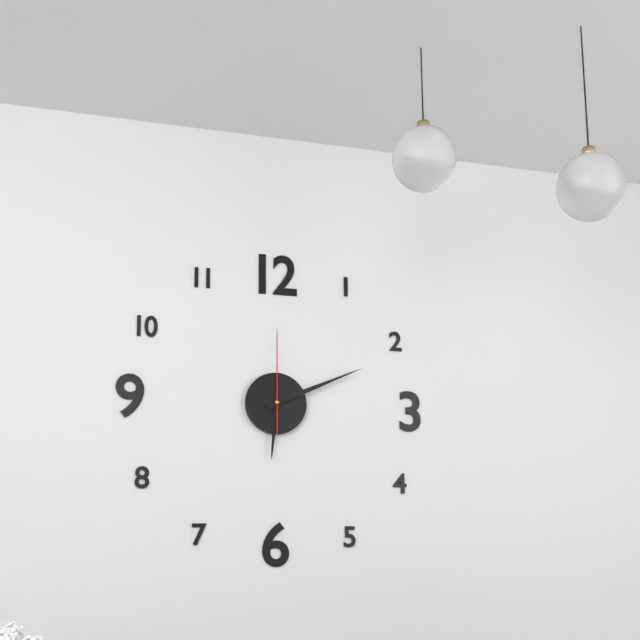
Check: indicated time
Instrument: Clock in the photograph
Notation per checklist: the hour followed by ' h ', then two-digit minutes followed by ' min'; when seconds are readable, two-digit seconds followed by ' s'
6 h 11 min 00 s
